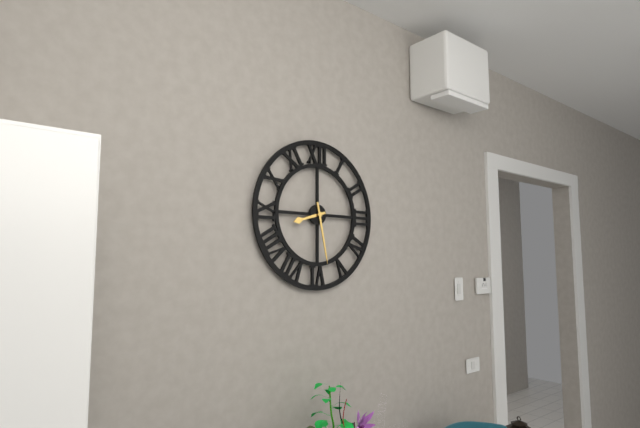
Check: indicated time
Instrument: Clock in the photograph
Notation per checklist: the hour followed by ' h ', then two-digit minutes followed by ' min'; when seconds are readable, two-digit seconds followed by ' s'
8 h 28 min
